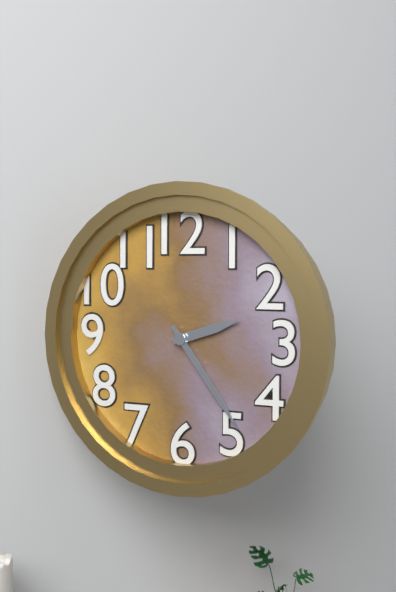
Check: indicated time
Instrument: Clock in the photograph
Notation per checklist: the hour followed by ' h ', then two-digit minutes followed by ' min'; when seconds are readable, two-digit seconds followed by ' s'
2 h 24 min
